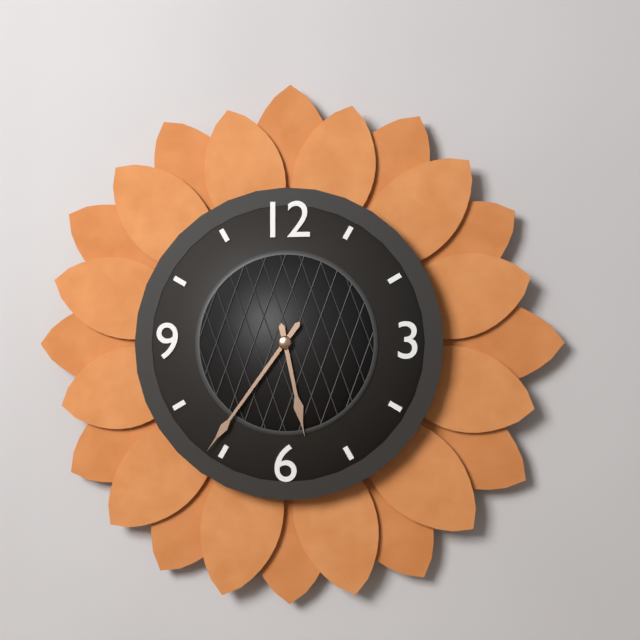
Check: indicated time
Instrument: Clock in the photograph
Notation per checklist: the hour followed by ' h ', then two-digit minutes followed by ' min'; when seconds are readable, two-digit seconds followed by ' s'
5 h 36 min
